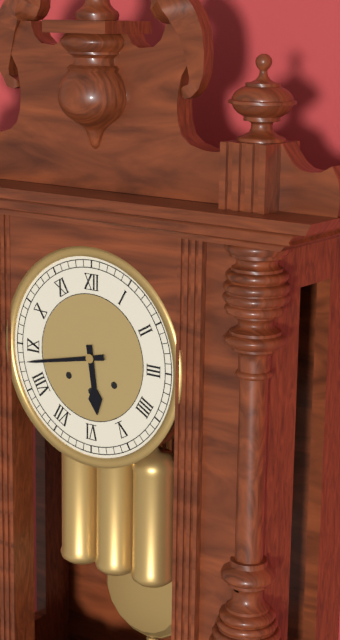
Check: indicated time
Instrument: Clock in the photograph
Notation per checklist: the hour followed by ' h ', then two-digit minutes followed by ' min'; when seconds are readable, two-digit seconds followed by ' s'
5 h 43 min
